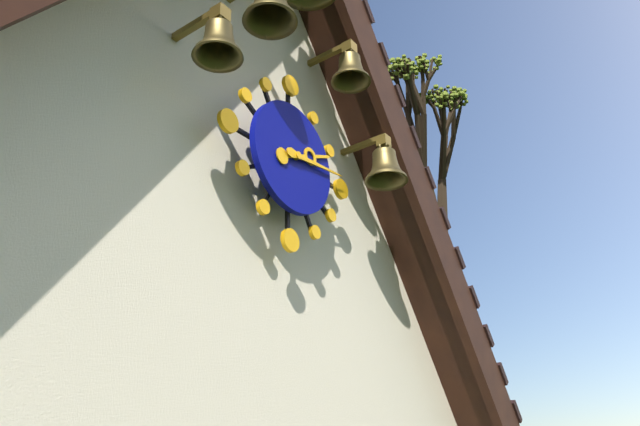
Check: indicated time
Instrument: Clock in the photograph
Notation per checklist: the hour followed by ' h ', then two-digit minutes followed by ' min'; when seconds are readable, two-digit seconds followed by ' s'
2 h 14 min
